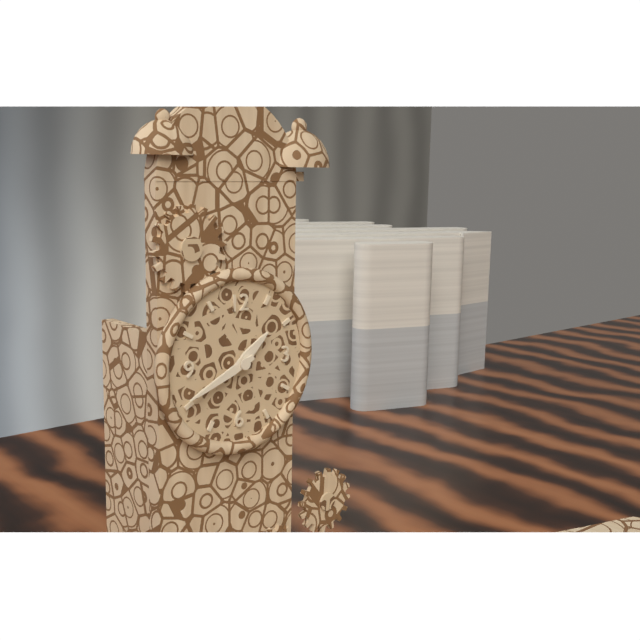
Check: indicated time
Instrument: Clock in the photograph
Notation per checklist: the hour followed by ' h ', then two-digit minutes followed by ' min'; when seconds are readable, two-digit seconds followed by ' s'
1 h 41 min
